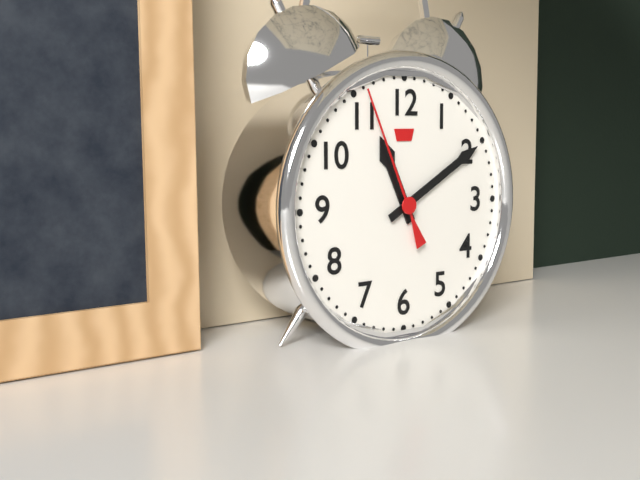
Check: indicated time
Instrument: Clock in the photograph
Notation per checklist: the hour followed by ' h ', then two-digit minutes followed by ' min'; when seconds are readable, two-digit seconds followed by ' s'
11 h 10 min 56 s
